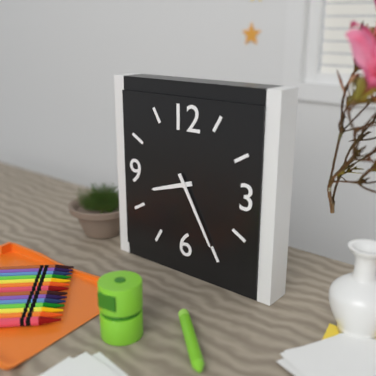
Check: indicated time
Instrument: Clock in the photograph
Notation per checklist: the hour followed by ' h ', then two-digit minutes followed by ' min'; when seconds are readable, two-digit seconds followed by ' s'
8 h 25 min
